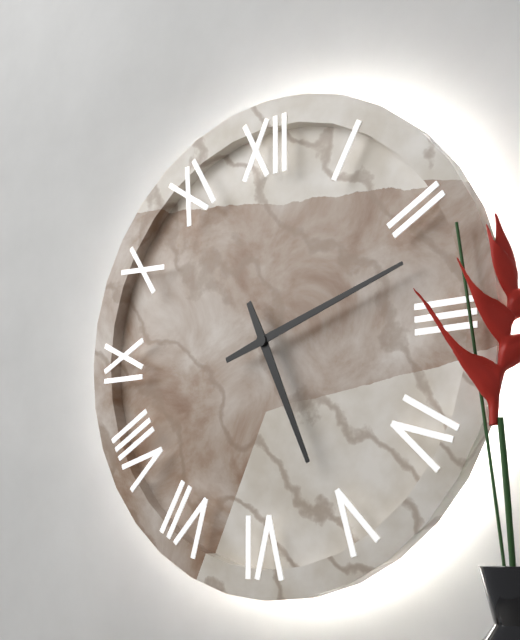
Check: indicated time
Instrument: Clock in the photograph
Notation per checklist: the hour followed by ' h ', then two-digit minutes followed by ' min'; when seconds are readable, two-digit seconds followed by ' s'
5 h 12 min
